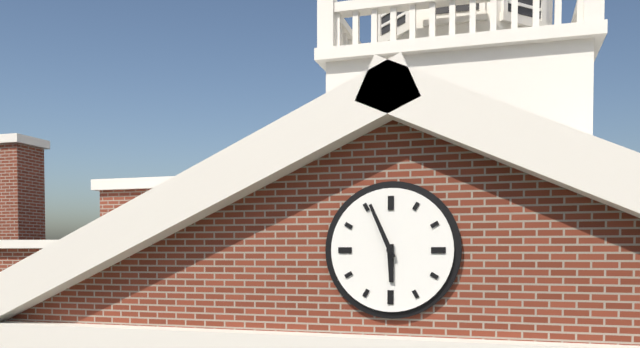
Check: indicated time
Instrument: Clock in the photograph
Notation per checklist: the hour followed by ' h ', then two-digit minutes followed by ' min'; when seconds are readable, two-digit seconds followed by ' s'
5 h 56 min
